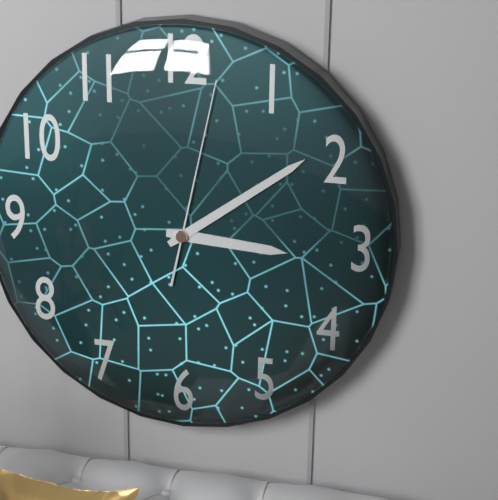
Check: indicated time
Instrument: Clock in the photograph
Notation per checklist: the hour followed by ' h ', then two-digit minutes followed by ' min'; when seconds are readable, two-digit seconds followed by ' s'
3 h 09 min 02 s
